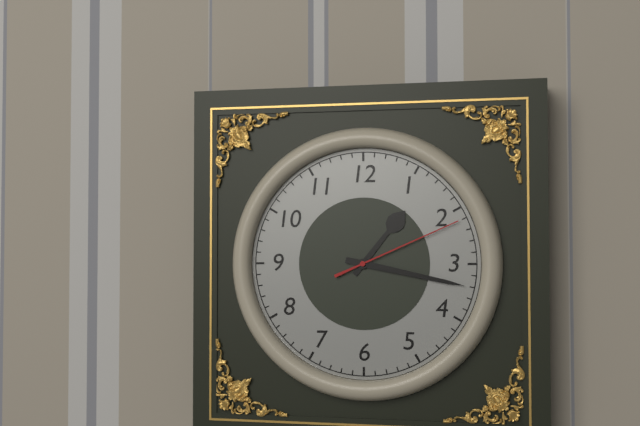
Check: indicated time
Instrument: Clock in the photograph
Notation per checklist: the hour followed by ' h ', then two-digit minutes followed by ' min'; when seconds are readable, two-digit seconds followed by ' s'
1 h 17 min 11 s
